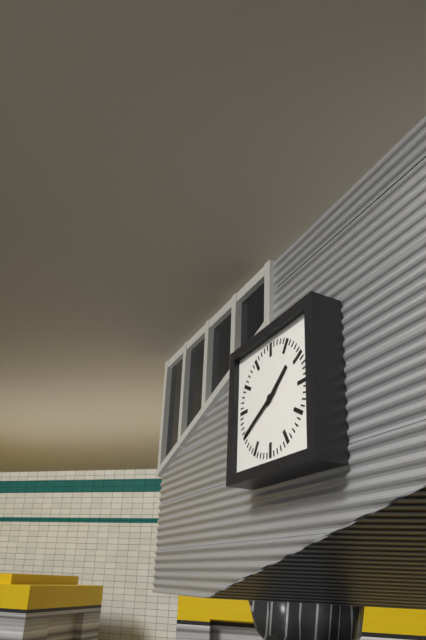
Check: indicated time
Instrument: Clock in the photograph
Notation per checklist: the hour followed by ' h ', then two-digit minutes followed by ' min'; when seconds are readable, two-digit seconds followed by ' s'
1 h 40 min
